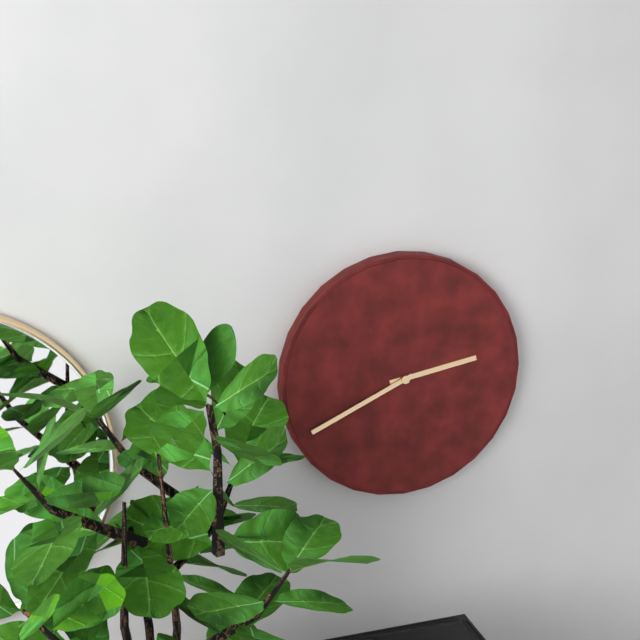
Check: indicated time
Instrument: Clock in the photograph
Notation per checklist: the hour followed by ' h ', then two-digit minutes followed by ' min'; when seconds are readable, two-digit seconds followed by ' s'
2 h 41 min
